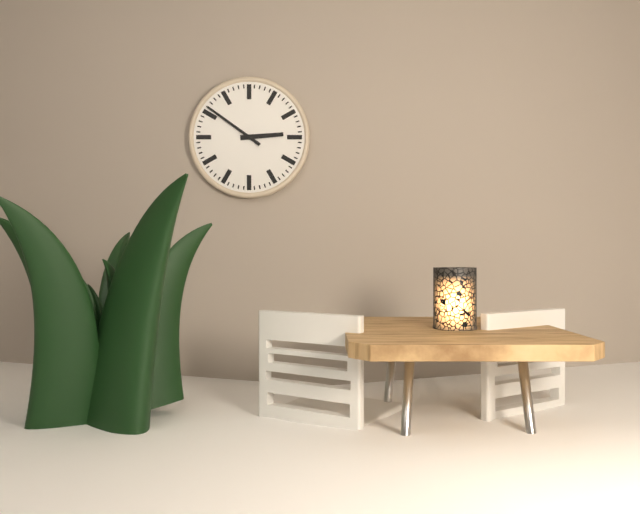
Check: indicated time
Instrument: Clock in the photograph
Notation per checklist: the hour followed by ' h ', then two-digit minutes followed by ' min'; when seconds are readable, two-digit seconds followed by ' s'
2 h 51 min
